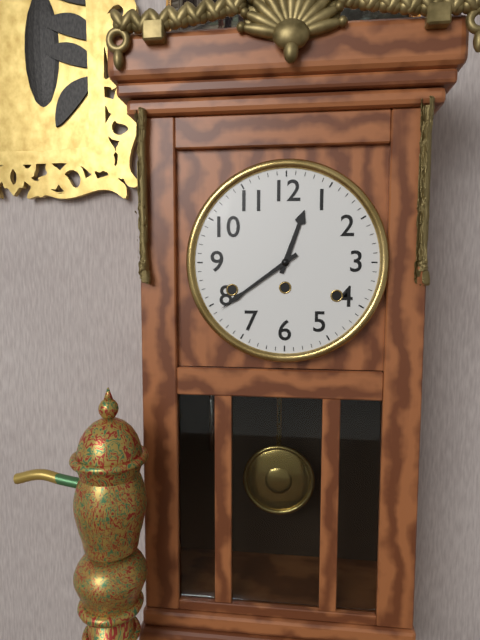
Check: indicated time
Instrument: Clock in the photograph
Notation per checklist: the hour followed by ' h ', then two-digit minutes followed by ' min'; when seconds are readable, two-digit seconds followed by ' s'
12 h 39 min
